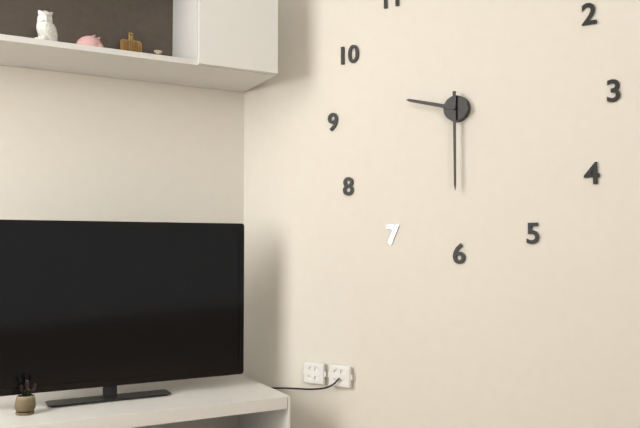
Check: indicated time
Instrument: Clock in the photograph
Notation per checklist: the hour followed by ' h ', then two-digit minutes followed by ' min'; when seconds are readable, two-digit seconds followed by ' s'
9 h 30 min
